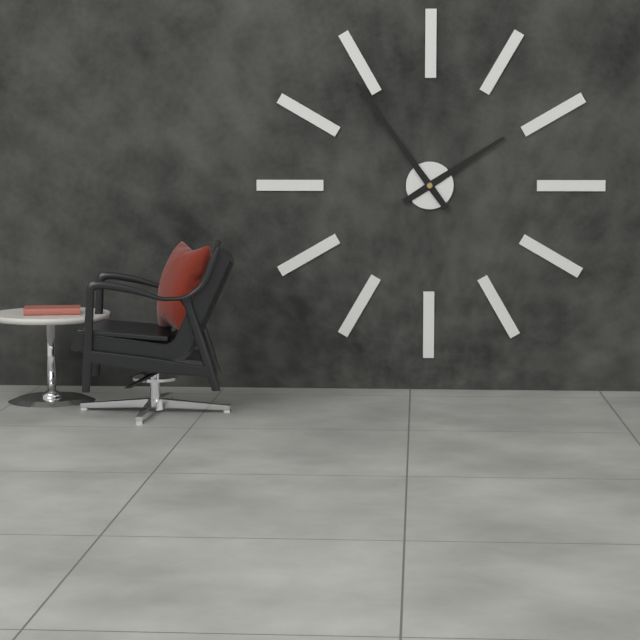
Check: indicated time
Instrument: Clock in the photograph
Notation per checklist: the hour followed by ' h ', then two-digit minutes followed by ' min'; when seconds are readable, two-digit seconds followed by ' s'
1 h 54 min
